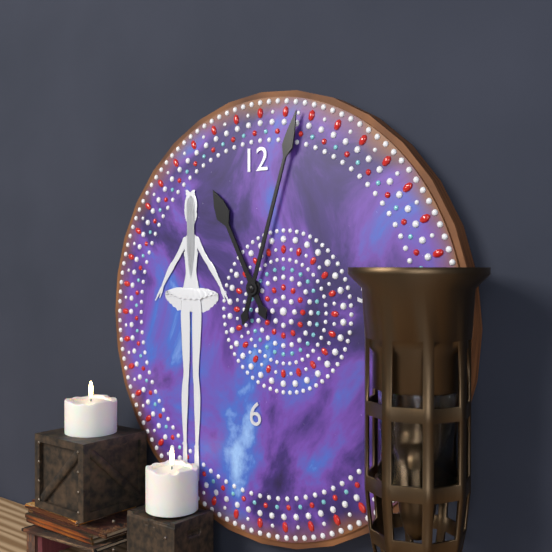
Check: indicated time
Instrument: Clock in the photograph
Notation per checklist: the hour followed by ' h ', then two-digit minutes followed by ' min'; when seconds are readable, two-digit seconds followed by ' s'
11 h 03 min
